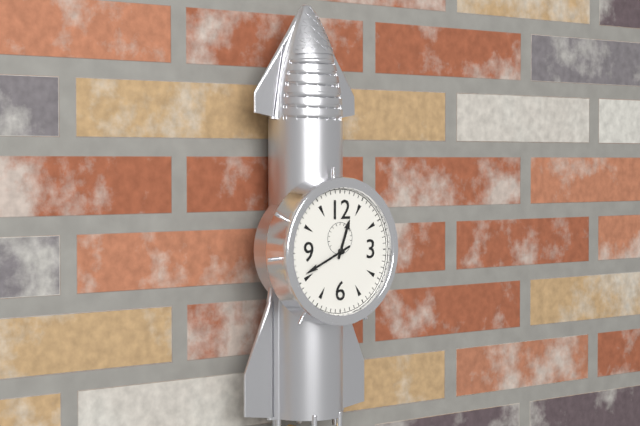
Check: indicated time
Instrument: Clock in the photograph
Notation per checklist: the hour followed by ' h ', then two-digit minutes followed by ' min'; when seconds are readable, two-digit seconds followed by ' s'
12 h 41 min
